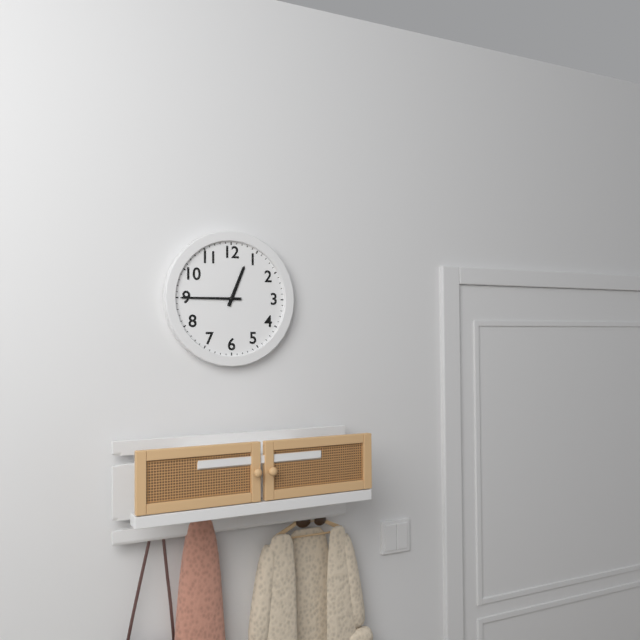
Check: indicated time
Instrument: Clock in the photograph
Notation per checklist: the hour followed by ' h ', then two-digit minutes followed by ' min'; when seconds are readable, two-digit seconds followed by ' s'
12 h 45 min
